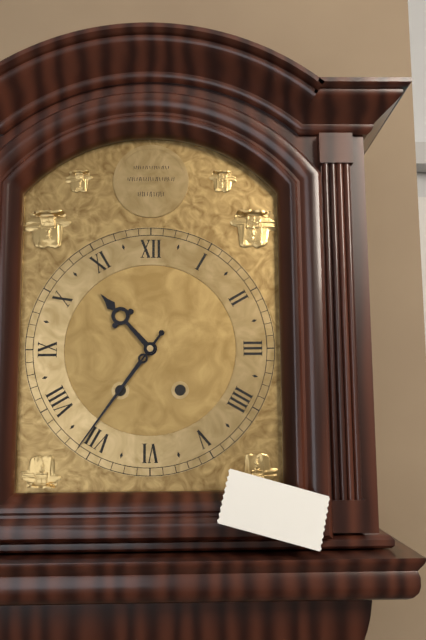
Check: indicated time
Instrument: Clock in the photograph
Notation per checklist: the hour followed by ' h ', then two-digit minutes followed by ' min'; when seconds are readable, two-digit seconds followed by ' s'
10 h 36 min
